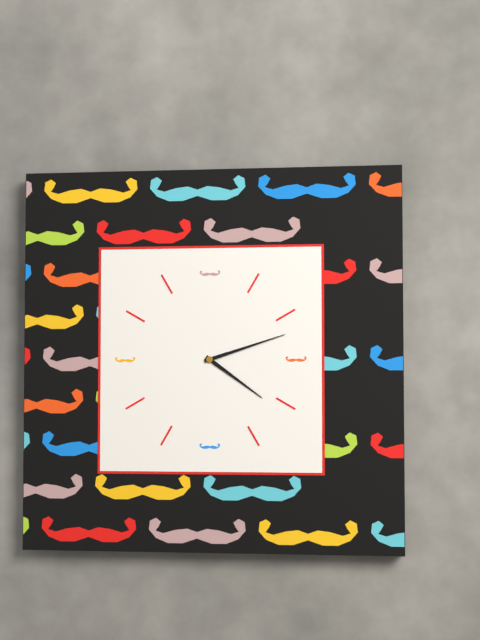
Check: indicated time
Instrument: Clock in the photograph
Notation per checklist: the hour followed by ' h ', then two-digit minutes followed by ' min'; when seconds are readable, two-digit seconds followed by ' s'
4 h 12 min
